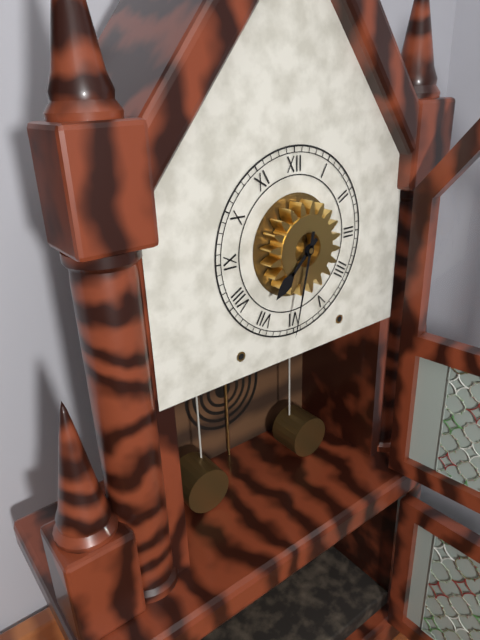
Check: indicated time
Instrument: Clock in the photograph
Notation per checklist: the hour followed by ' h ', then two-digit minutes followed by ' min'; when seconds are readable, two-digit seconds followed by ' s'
7 h 32 min
